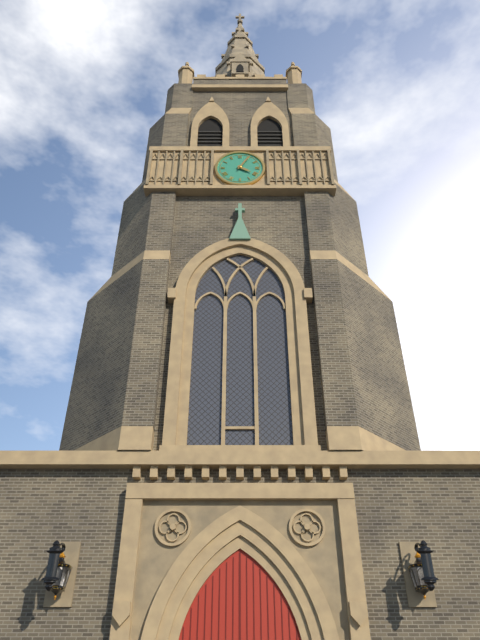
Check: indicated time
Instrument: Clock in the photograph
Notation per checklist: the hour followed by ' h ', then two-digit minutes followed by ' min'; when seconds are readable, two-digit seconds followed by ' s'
4 h 05 min
